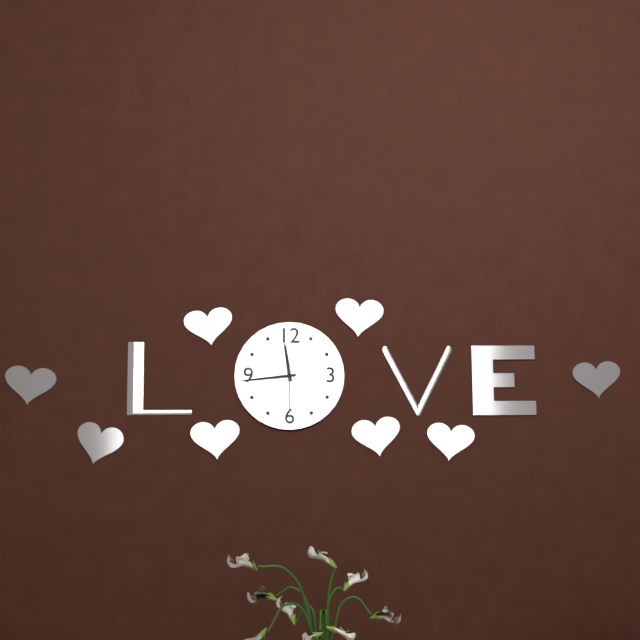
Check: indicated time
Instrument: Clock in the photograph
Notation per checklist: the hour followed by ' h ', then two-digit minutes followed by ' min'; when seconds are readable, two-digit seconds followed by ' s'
11 h 44 min 30 s
